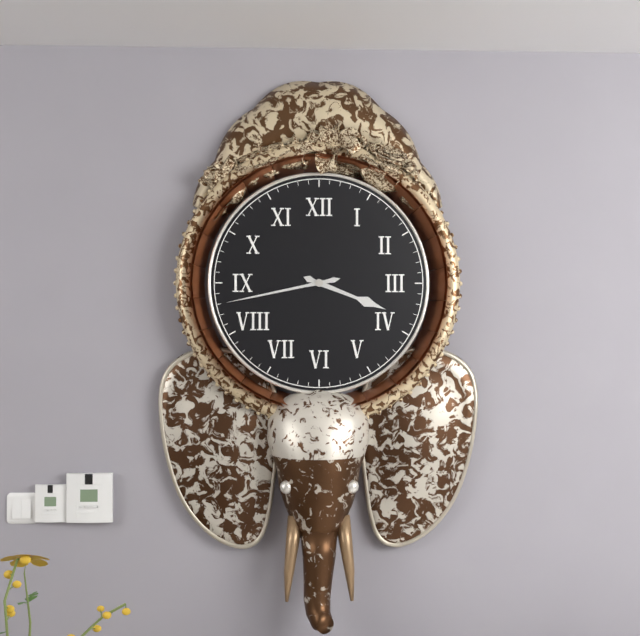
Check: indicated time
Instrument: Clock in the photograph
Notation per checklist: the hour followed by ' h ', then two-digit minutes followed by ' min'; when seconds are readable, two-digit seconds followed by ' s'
3 h 43 min
